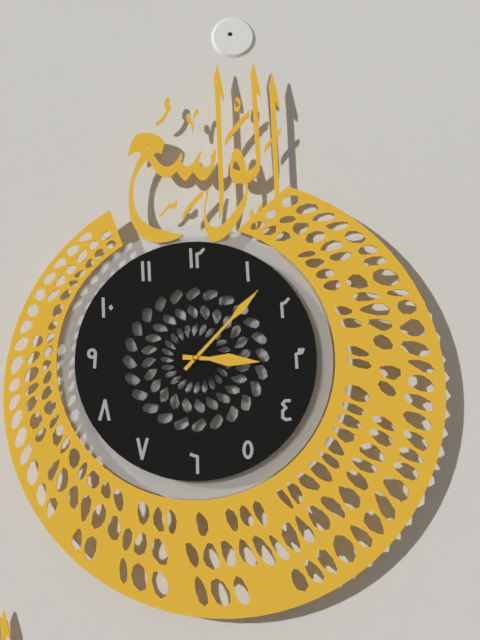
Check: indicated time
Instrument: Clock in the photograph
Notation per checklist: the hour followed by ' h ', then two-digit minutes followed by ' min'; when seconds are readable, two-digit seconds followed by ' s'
3 h 07 min
